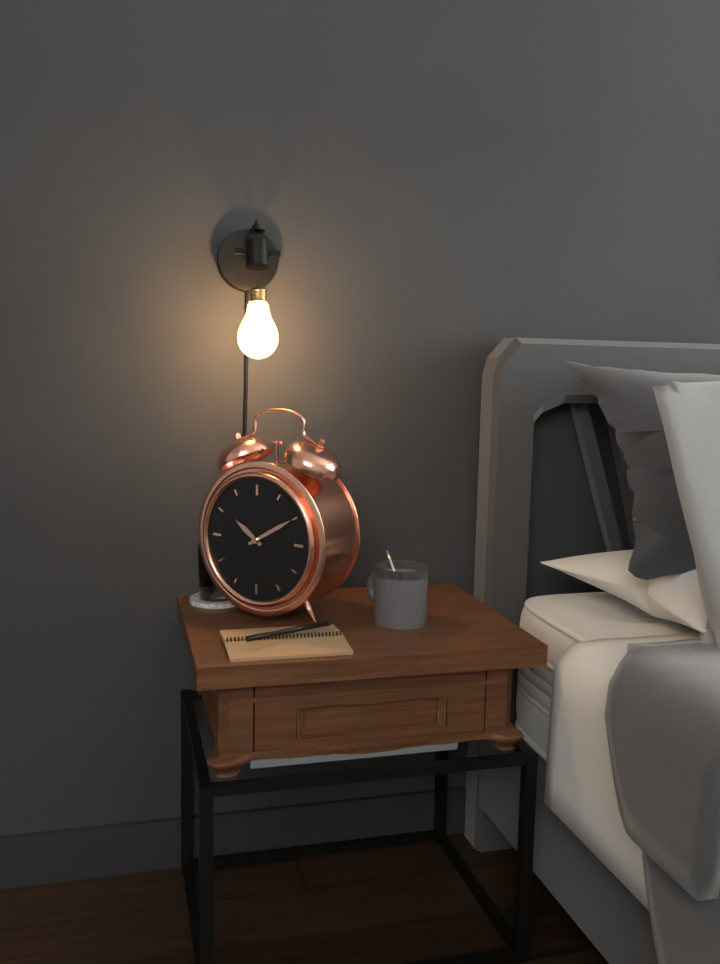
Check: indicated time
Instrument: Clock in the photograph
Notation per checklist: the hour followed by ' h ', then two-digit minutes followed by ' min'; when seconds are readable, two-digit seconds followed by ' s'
10 h 10 min
